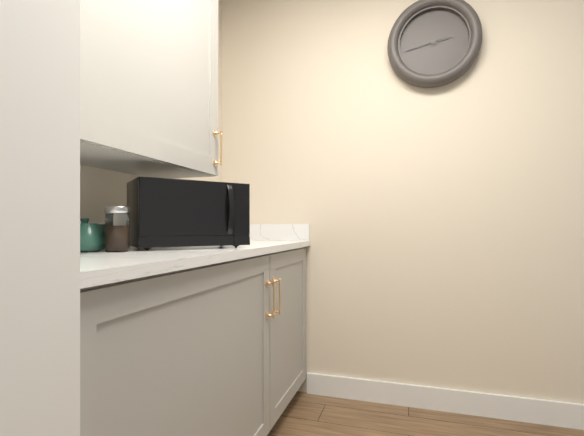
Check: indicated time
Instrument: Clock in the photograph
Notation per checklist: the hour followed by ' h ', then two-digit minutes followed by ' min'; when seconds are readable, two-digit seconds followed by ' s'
2 h 43 min
